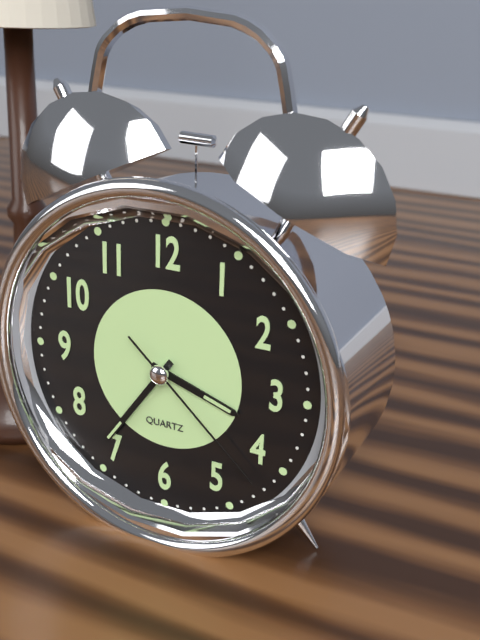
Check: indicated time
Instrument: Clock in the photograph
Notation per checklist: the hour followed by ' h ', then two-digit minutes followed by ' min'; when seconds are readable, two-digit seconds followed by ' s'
3 h 36 min 22 s
